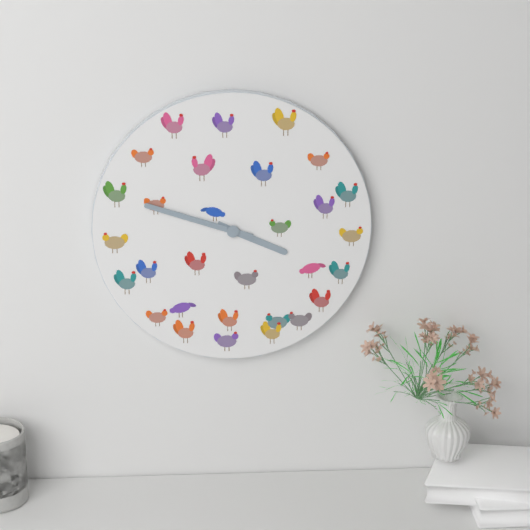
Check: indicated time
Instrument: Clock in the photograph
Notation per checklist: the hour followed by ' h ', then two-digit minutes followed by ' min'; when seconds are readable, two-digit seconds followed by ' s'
3 h 48 min
